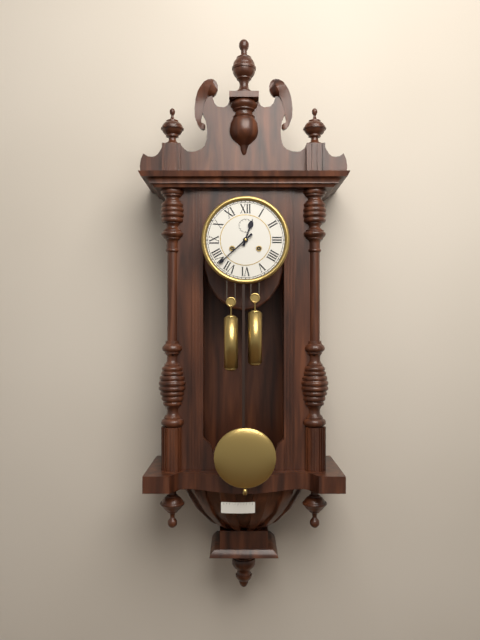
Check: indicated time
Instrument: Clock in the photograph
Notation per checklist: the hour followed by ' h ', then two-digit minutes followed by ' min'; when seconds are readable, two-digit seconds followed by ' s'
12 h 38 min
